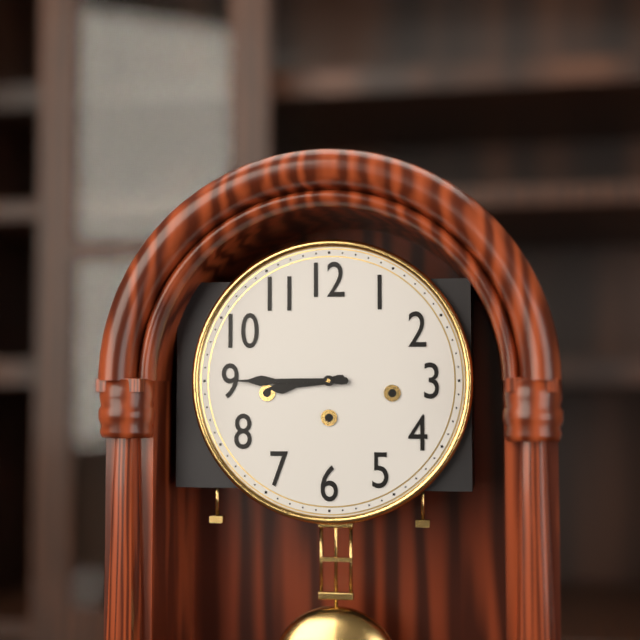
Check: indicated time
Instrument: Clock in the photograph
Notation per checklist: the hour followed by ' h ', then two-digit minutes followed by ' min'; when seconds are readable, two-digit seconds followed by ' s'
8 h 45 min
